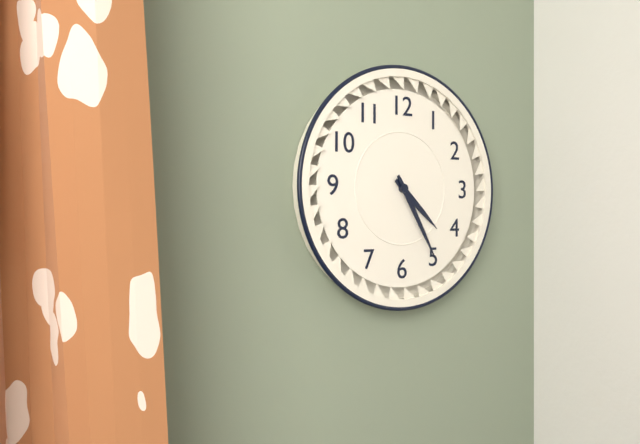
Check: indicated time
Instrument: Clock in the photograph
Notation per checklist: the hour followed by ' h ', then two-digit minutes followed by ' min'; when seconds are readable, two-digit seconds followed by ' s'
4 h 25 min
